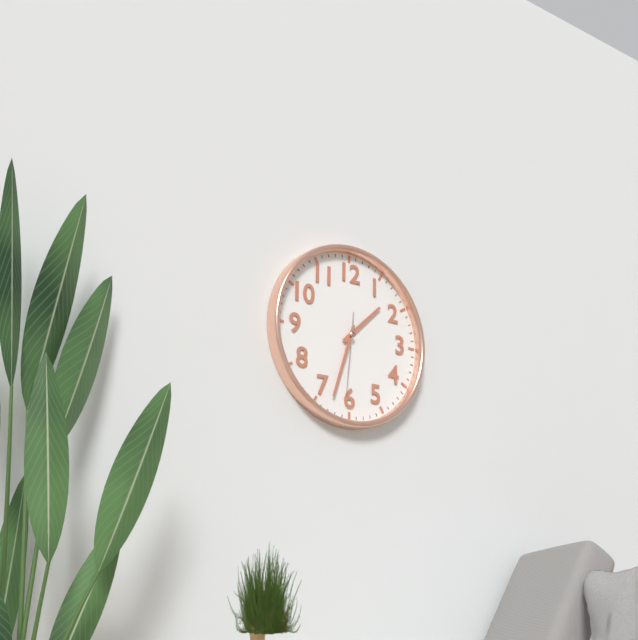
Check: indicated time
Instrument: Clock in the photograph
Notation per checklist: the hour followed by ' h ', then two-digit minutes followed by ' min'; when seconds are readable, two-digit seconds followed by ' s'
1 h 33 min 31 s
